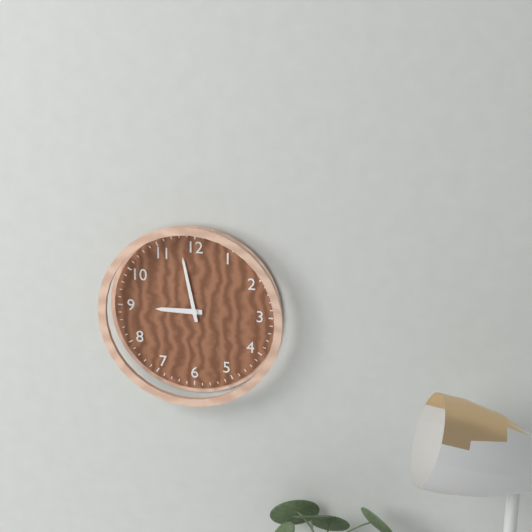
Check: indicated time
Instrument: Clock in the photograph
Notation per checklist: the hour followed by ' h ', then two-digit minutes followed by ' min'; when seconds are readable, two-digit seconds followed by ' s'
8 h 58 min
